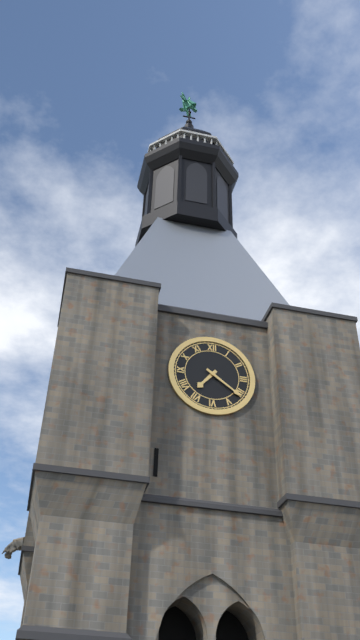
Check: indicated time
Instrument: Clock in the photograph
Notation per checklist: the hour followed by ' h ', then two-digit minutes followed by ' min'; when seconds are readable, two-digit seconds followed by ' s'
7 h 21 min
